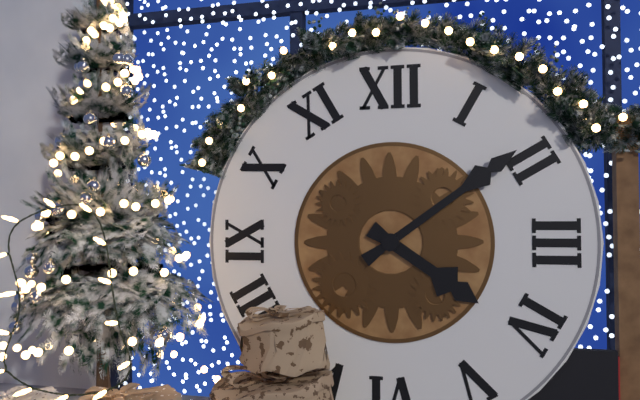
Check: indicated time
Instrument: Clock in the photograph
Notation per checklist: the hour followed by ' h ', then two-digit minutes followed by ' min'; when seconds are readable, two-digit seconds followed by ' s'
4 h 09 min
